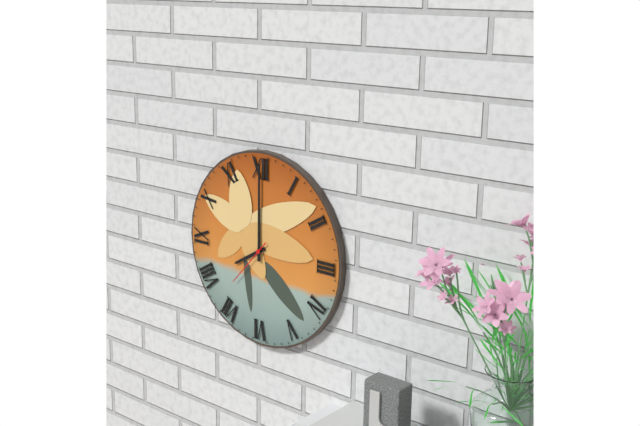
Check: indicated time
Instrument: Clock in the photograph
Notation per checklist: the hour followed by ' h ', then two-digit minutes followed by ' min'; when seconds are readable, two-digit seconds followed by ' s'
8 h 00 min 37 s
